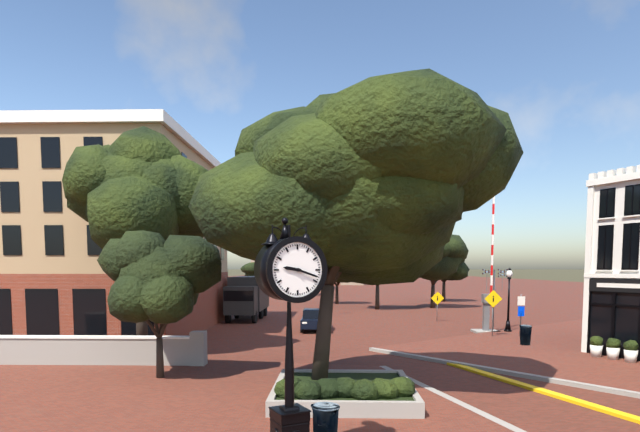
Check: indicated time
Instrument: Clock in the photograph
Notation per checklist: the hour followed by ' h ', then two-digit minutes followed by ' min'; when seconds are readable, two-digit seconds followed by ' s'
9 h 18 min
